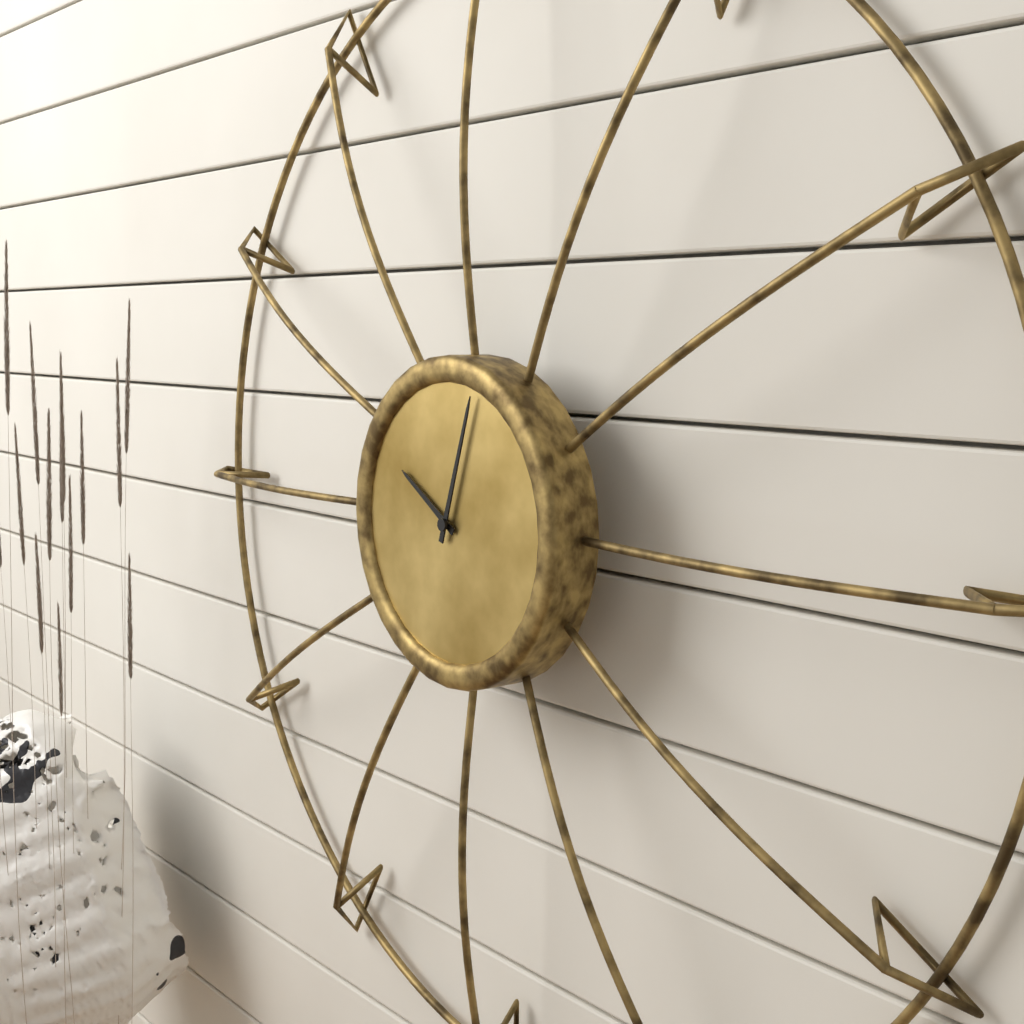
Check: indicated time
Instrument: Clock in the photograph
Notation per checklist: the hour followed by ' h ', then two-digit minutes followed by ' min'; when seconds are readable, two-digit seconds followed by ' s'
10 h 03 min
